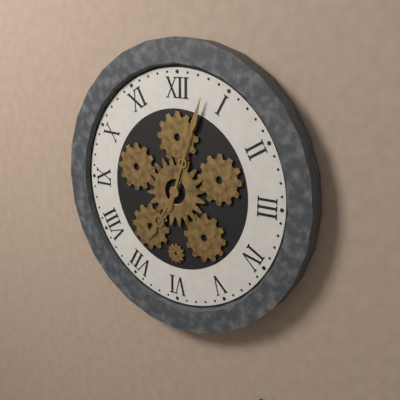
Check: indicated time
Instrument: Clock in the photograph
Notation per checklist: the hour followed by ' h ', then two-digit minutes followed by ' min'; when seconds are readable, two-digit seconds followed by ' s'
7 h 03 min
